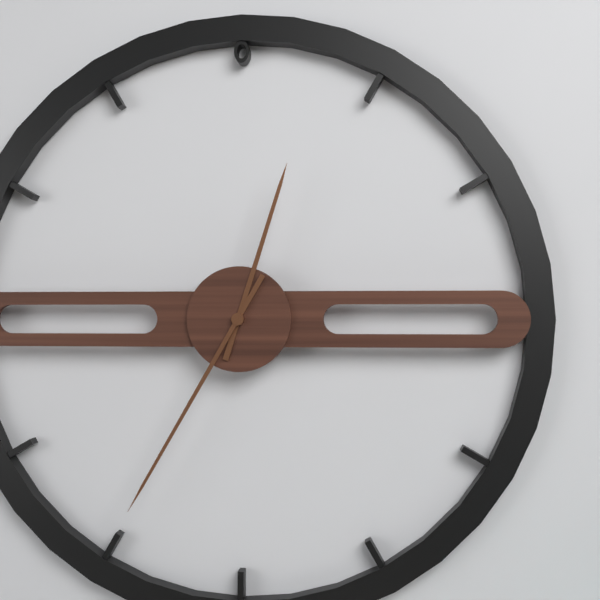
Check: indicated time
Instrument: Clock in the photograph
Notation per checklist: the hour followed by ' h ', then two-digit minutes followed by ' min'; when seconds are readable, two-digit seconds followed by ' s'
12 h 35 min
